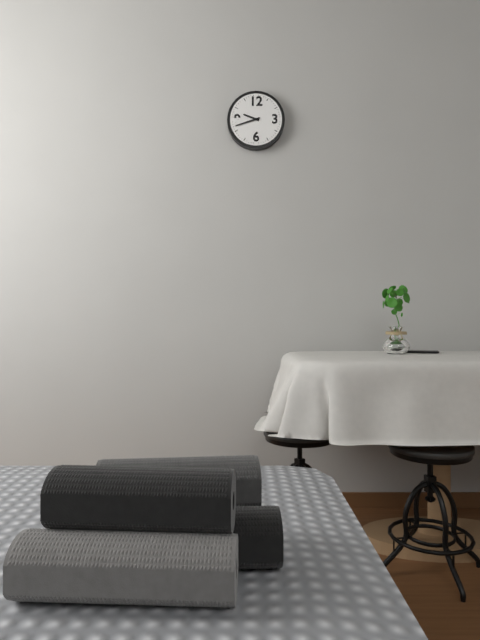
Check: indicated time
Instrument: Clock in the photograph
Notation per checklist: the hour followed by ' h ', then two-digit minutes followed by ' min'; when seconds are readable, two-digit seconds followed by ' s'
9 h 42 min
